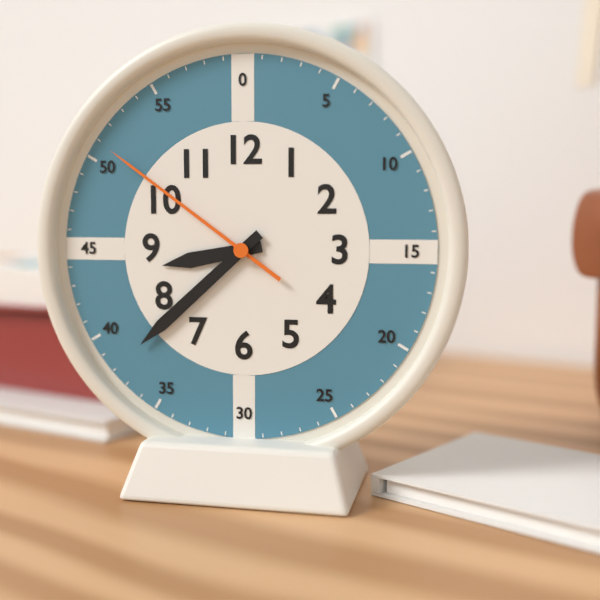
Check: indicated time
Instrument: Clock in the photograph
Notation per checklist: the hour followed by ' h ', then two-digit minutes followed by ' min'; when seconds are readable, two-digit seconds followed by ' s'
8 h 38 min 51 s
